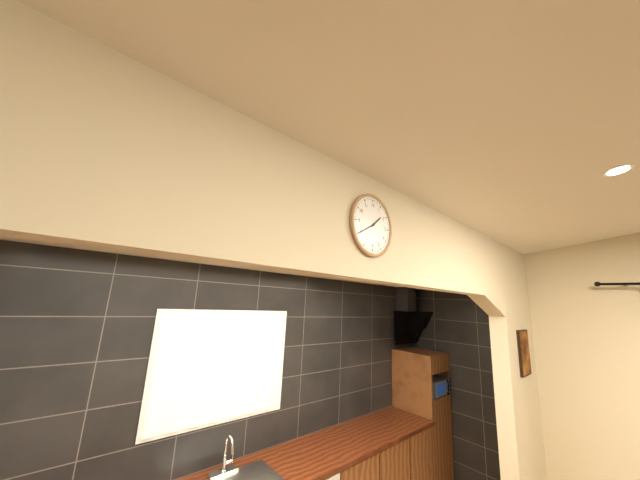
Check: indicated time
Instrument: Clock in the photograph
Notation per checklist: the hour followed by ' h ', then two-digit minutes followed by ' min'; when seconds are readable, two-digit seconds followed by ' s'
1 h 40 min
